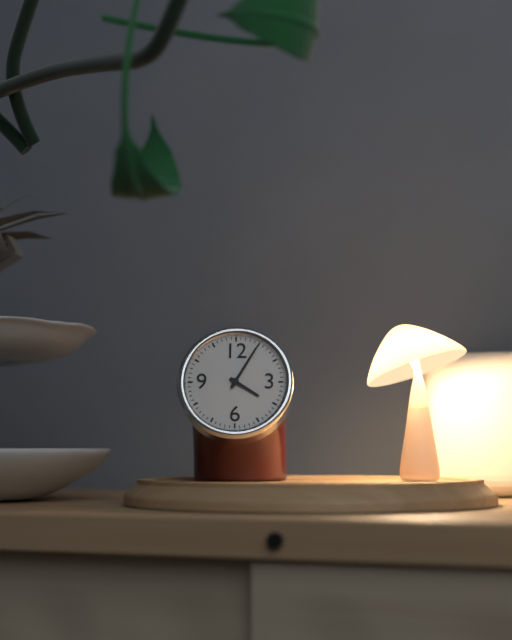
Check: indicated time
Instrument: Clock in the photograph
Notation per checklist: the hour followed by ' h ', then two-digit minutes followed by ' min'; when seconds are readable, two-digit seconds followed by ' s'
4 h 05 min
